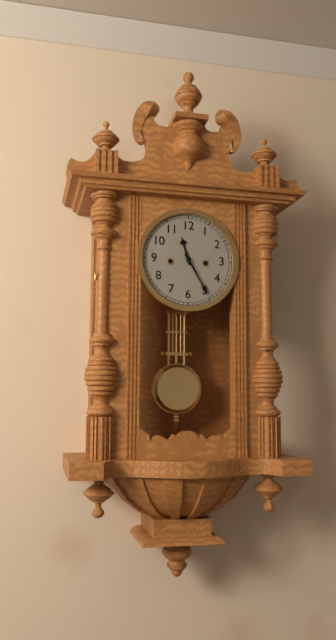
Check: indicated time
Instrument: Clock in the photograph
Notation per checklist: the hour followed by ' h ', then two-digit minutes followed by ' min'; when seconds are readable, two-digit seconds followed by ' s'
11 h 25 min
